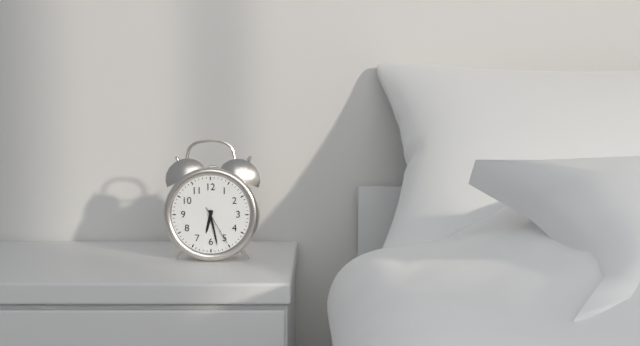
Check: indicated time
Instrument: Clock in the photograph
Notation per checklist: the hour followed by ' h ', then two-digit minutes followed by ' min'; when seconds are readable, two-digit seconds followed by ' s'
6 h 28 min
